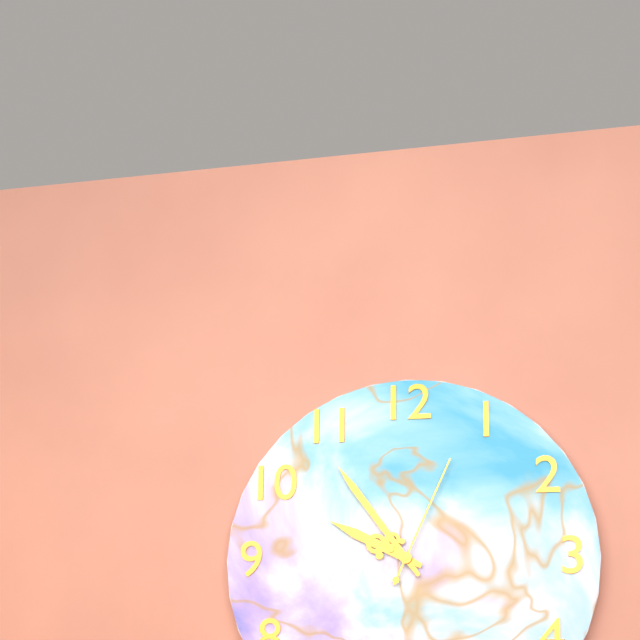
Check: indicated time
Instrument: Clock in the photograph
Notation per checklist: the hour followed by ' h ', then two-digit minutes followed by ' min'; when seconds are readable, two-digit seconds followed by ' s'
9 h 54 min 04 s
